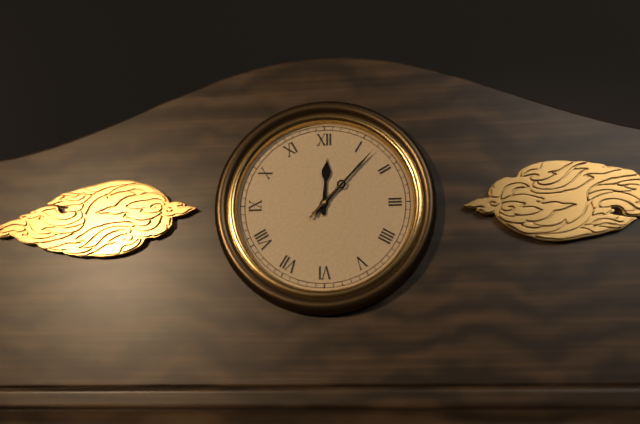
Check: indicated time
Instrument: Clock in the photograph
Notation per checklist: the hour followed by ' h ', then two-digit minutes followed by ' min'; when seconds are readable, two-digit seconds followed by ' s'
12 h 07 min 07 s
